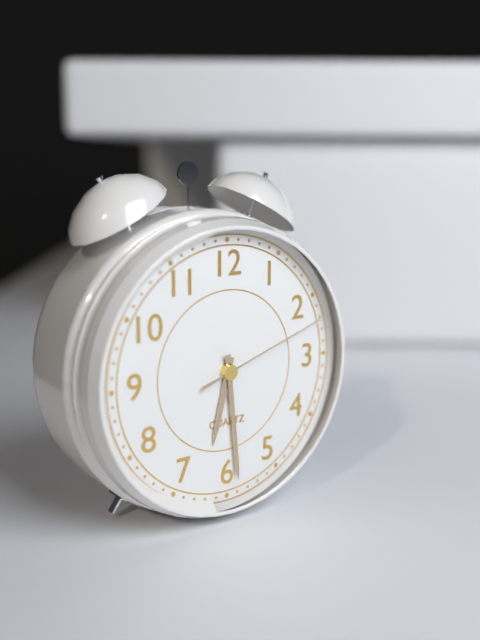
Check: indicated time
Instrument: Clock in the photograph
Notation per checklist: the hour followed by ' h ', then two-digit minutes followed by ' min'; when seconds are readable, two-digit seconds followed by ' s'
6 h 29 min 12 s
